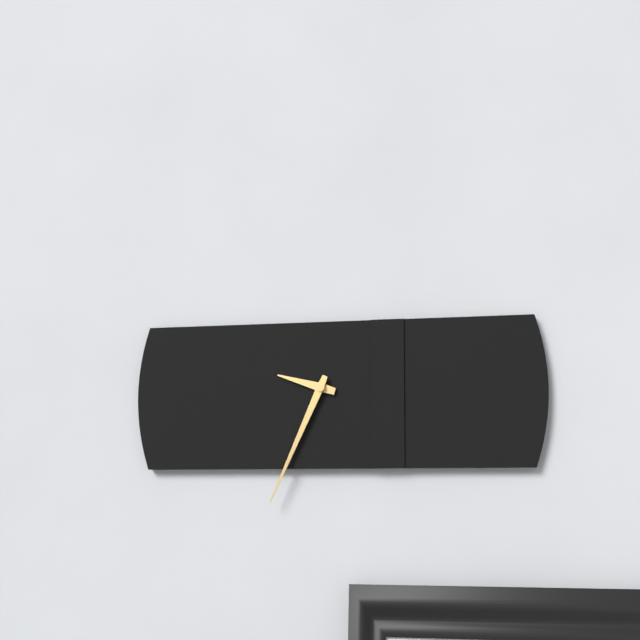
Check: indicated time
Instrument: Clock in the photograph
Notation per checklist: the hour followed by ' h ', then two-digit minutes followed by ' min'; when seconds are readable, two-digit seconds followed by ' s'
9 h 34 min
